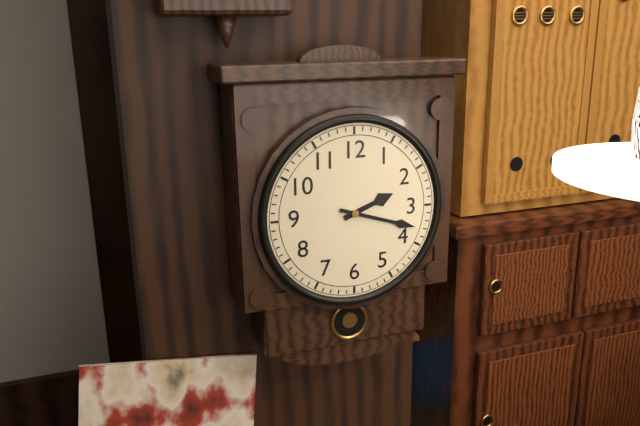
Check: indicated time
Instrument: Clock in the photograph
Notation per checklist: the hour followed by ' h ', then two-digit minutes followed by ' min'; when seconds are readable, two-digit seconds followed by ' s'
2 h 18 min
